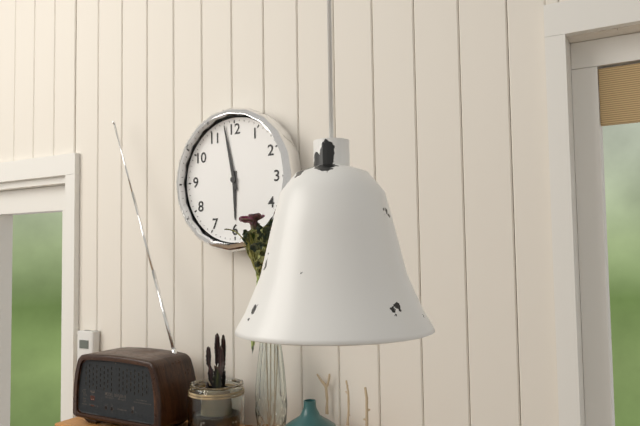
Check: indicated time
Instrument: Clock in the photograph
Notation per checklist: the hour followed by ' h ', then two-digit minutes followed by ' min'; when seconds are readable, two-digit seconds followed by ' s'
5 h 58 min
